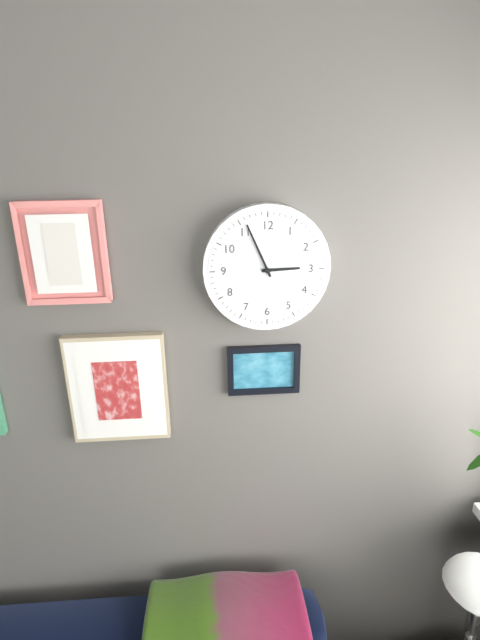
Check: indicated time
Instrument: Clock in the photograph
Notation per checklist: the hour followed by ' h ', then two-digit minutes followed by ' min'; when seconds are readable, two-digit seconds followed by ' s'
2 h 56 min
